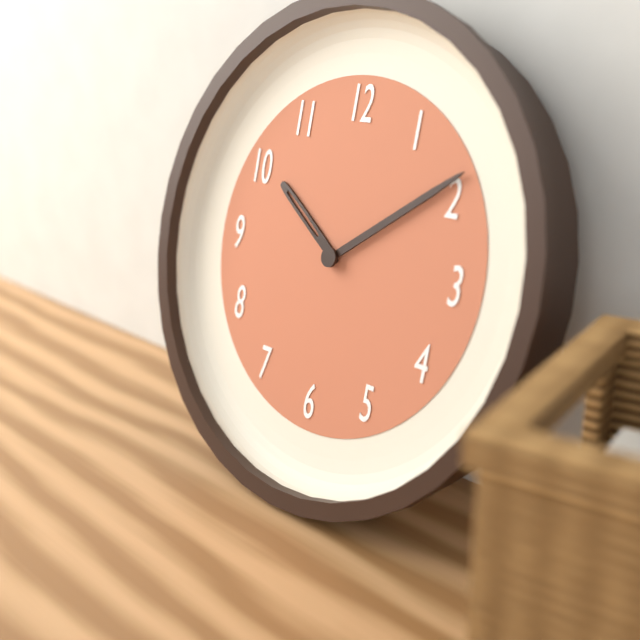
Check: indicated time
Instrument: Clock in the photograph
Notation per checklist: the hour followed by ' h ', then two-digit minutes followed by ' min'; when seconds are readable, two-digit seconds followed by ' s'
10 h 09 min
